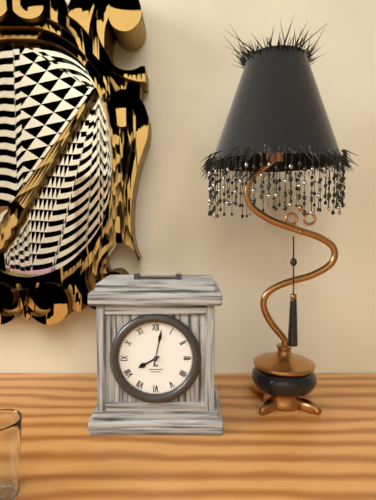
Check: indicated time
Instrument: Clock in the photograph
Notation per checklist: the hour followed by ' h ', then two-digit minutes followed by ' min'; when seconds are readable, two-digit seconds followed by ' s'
8 h 02 min
